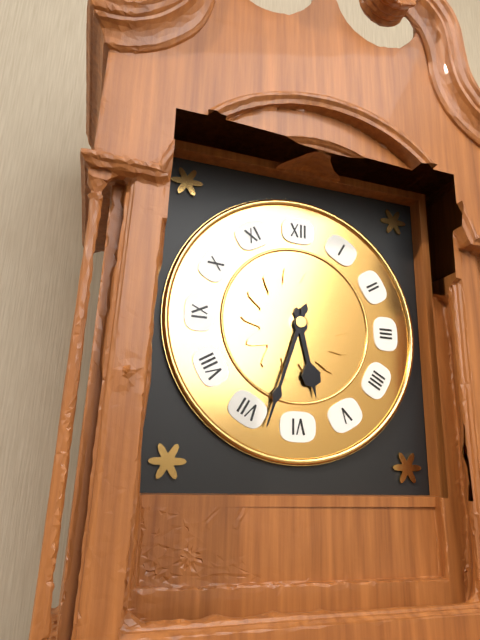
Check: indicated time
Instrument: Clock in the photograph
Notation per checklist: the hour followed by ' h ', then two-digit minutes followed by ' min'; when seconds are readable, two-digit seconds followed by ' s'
5 h 33 min
